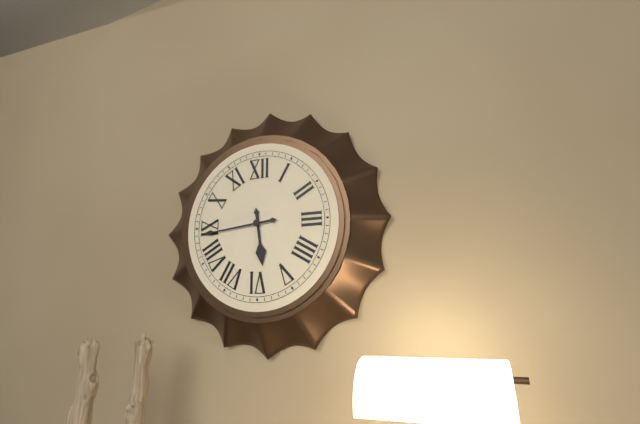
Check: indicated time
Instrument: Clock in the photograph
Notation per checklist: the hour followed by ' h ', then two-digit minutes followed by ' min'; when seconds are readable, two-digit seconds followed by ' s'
5 h 44 min
